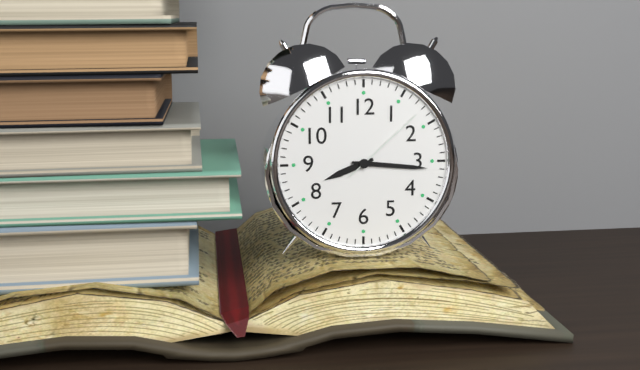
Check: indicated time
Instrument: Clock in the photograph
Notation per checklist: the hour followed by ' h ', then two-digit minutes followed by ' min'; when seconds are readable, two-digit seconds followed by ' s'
8 h 16 min 08 s
